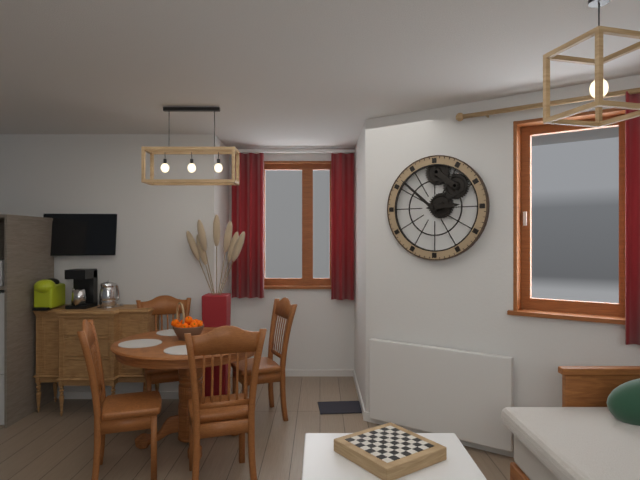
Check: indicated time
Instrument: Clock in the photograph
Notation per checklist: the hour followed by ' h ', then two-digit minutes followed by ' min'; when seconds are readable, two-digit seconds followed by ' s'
2 h 52 min
